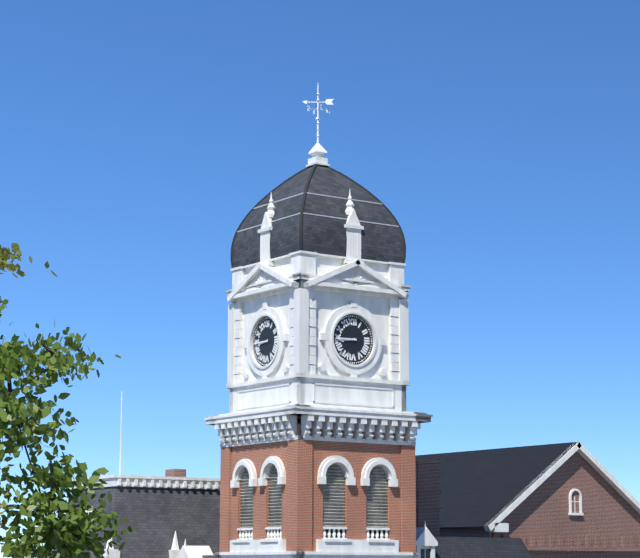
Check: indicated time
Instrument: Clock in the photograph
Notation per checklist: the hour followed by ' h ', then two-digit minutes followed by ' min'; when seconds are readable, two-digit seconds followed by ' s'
8 h 45 min
